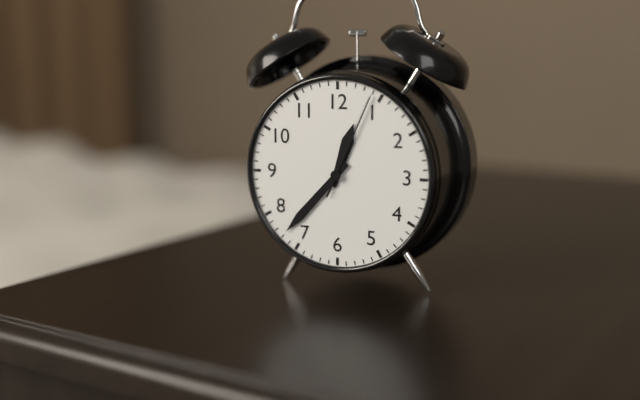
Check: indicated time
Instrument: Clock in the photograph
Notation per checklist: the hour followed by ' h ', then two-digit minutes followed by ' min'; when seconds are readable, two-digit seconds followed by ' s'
12 h 37 min 04 s
